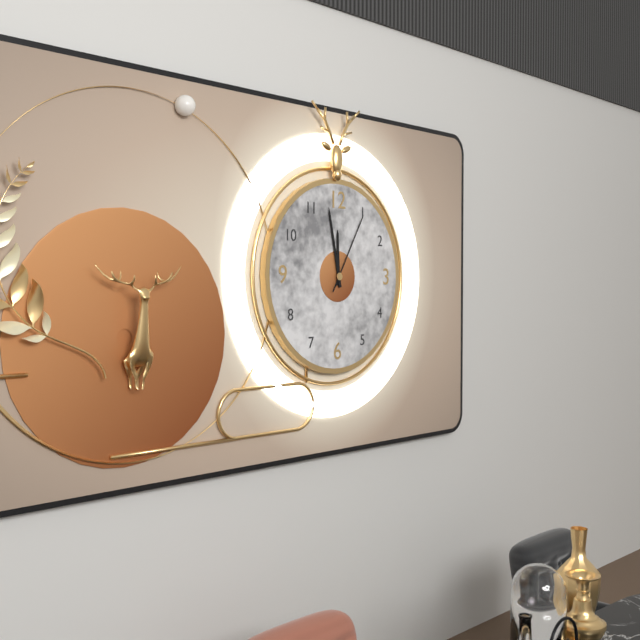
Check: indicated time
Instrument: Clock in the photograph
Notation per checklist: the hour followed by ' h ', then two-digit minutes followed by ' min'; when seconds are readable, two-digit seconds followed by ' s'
11 h 58 min 05 s
